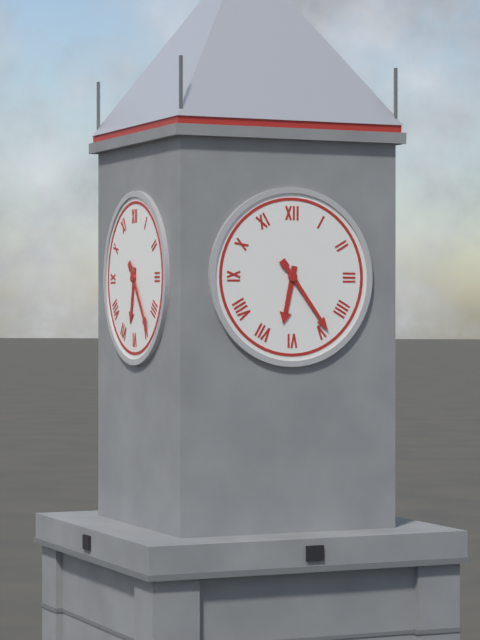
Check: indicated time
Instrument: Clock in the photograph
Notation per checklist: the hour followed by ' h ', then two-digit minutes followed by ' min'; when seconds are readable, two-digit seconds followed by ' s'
6 h 24 min
